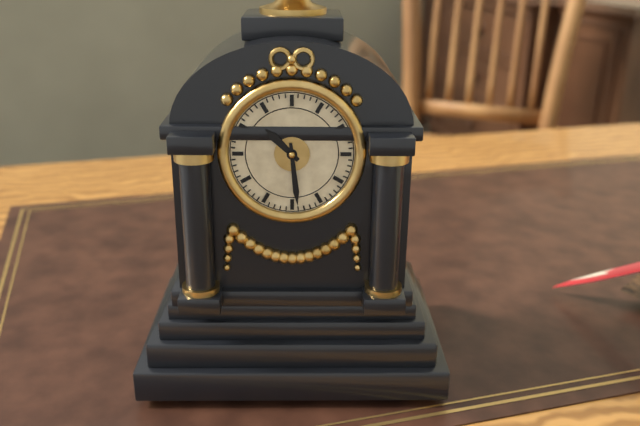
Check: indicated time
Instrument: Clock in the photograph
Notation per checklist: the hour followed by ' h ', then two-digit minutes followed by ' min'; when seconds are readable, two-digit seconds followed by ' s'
10 h 29 min
